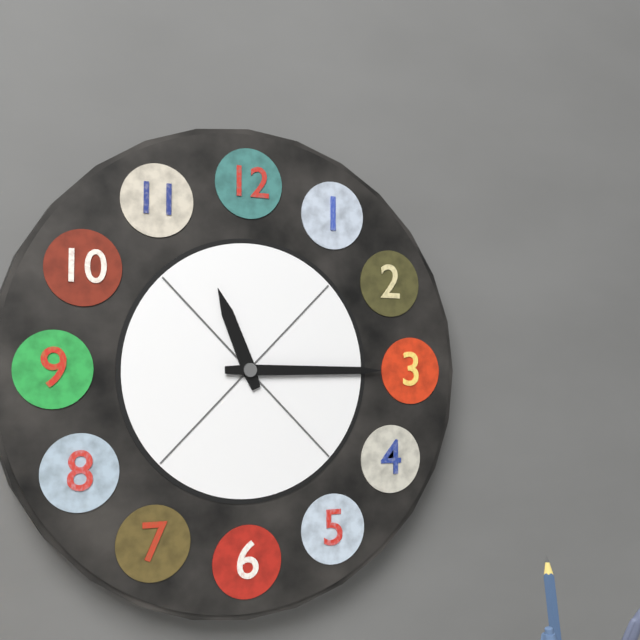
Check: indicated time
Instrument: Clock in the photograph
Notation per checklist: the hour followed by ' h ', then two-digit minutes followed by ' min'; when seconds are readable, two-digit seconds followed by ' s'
11 h 15 min
